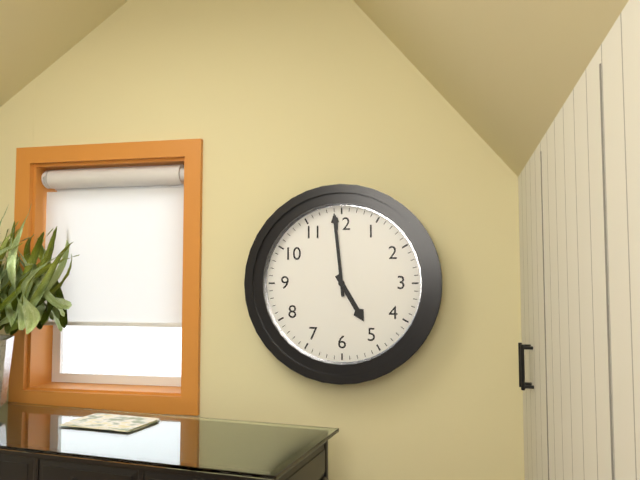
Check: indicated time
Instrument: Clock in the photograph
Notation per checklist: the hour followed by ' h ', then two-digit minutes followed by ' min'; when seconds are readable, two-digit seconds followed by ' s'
4 h 59 min
